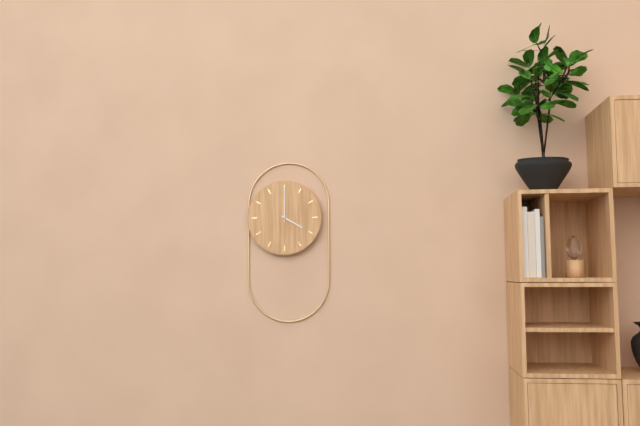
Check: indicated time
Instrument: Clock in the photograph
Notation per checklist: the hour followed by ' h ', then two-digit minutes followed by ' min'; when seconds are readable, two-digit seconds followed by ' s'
4 h 00 min
